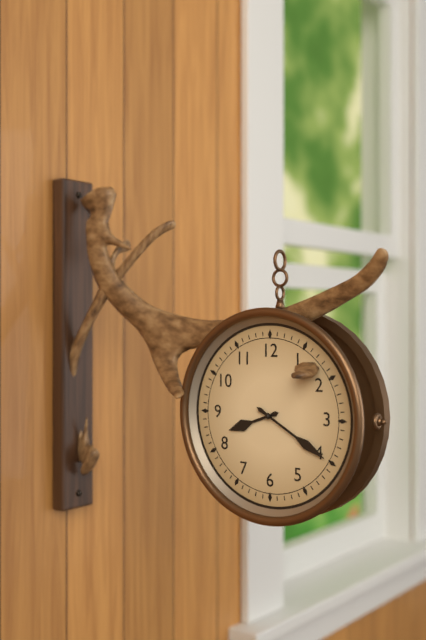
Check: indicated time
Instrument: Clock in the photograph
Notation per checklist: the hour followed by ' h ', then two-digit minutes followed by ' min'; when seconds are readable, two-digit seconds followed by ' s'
8 h 20 min
